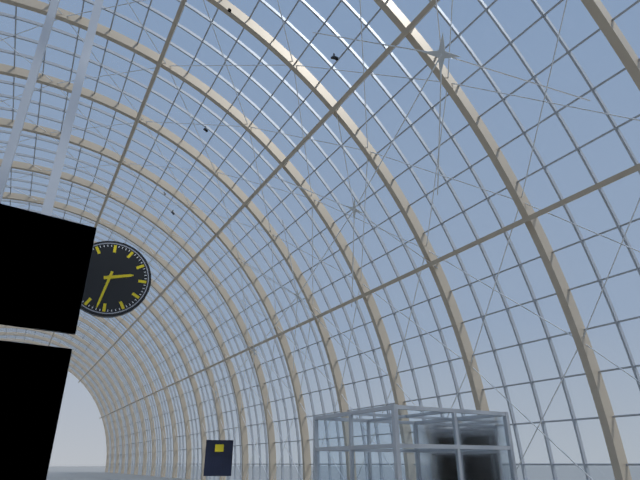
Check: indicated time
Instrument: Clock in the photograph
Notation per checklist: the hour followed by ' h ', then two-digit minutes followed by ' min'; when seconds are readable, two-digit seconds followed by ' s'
2 h 32 min
